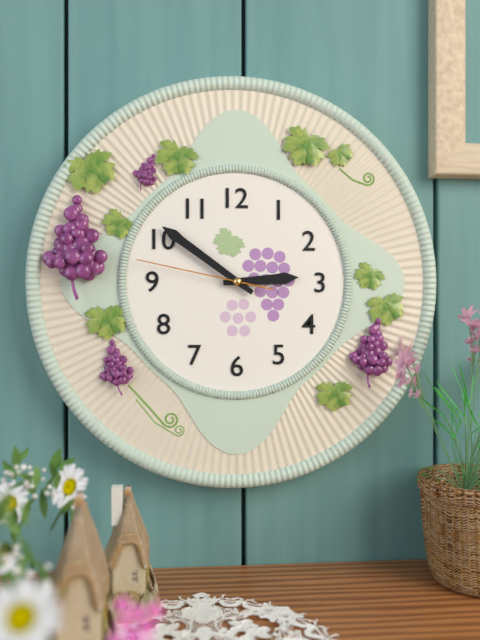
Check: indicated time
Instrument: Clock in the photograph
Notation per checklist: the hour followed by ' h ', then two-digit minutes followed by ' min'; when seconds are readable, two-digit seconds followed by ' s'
2 h 51 min 47 s
